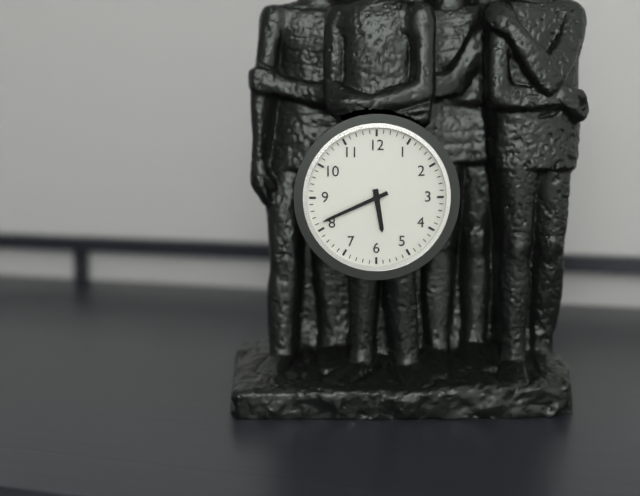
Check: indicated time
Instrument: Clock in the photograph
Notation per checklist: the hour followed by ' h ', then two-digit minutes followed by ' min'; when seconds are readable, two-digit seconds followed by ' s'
5 h 41 min
